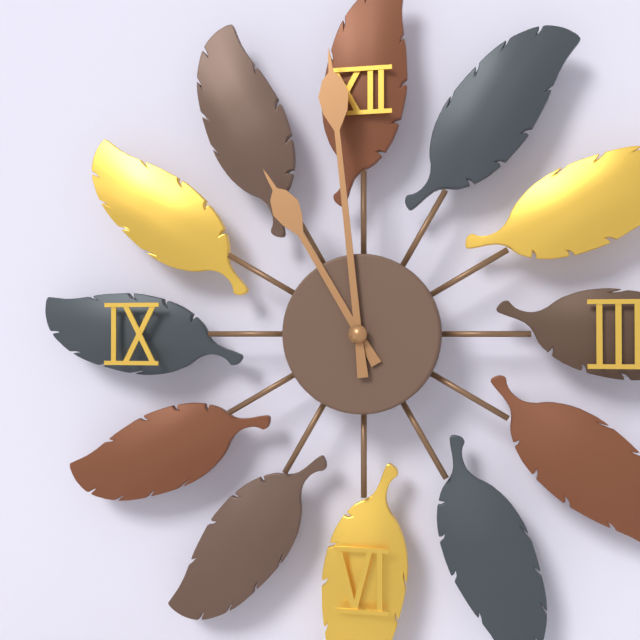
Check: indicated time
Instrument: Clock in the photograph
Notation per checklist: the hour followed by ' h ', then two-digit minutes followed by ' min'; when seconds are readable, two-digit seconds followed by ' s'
10 h 59 min
